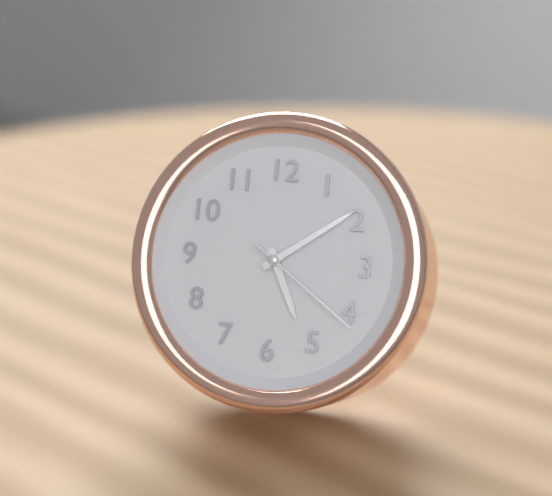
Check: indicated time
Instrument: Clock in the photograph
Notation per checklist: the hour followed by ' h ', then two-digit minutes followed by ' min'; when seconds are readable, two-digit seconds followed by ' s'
5 h 09 min 21 s
